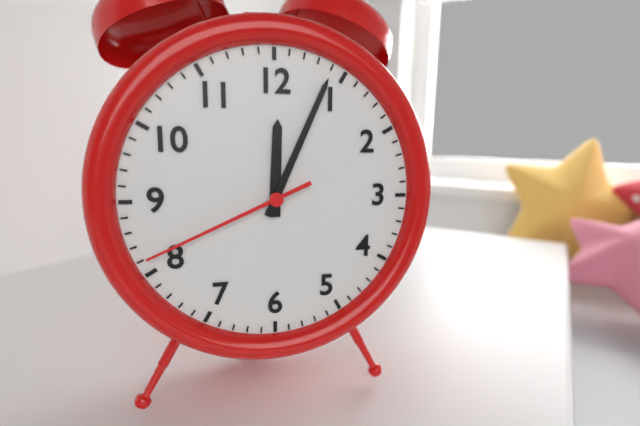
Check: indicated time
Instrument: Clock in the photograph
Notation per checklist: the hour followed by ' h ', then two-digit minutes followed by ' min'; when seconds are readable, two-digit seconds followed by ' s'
12 h 04 min 41 s
